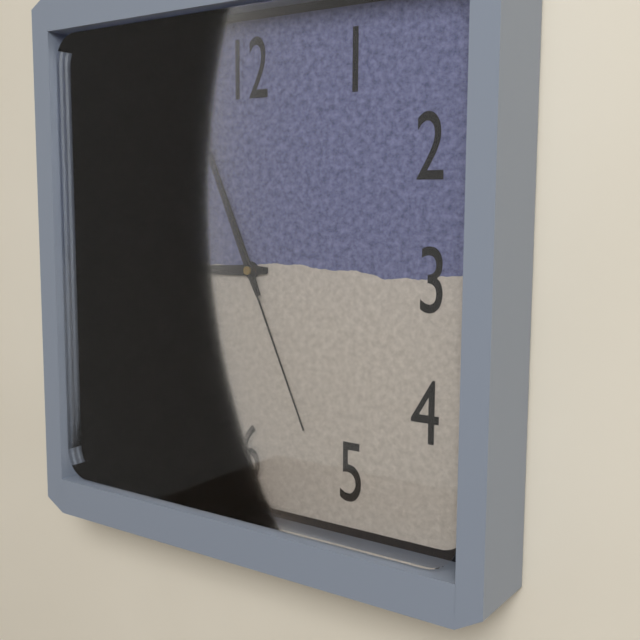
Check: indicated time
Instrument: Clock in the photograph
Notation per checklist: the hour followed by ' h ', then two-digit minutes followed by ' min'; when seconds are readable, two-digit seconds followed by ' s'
8 h 56 min 26 s
